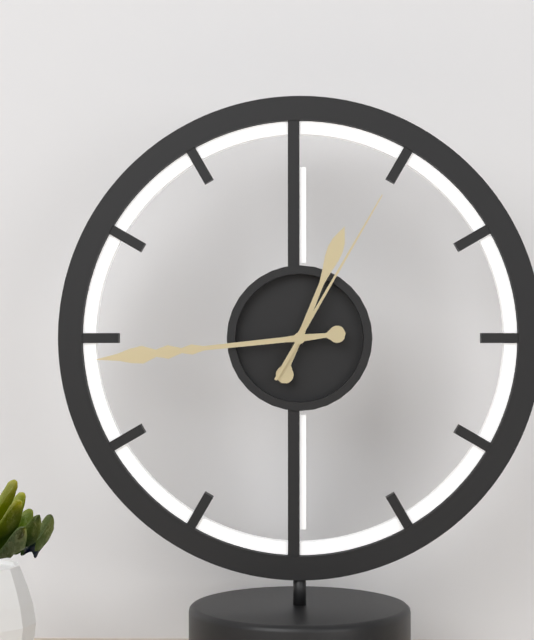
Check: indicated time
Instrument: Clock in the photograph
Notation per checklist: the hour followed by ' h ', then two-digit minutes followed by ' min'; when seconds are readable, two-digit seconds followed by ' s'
12 h 44 min 05 s
